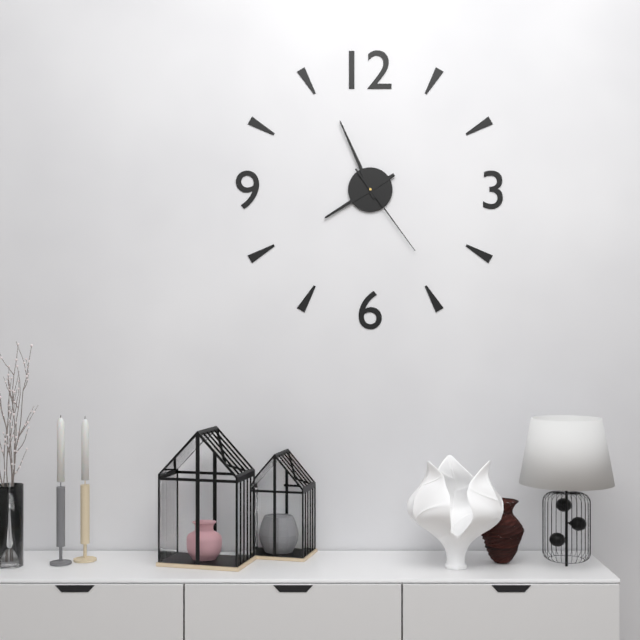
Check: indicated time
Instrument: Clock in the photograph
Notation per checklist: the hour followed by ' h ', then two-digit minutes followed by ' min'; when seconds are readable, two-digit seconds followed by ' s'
7 h 56 min 24 s
